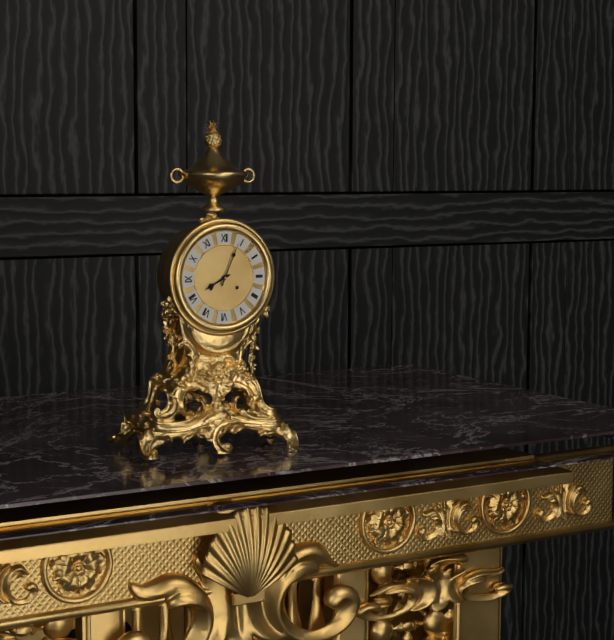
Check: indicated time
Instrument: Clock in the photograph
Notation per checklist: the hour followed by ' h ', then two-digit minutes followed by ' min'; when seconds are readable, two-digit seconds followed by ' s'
8 h 04 min
